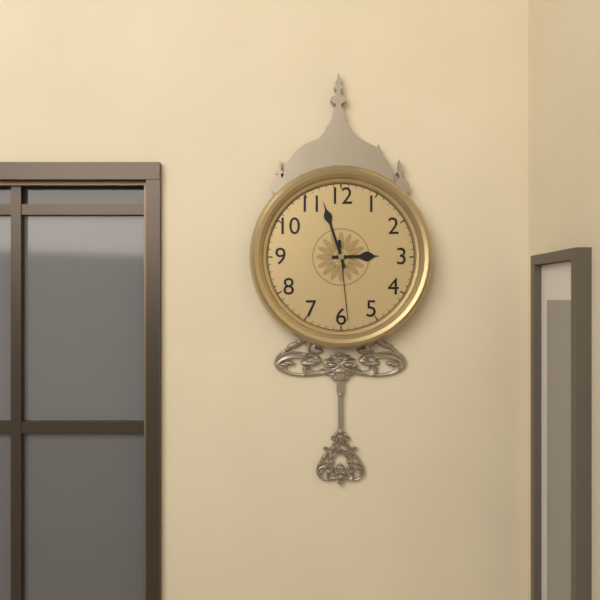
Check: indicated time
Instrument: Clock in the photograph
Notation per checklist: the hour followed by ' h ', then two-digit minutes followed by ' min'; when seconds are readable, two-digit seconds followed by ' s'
2 h 57 min 29 s
